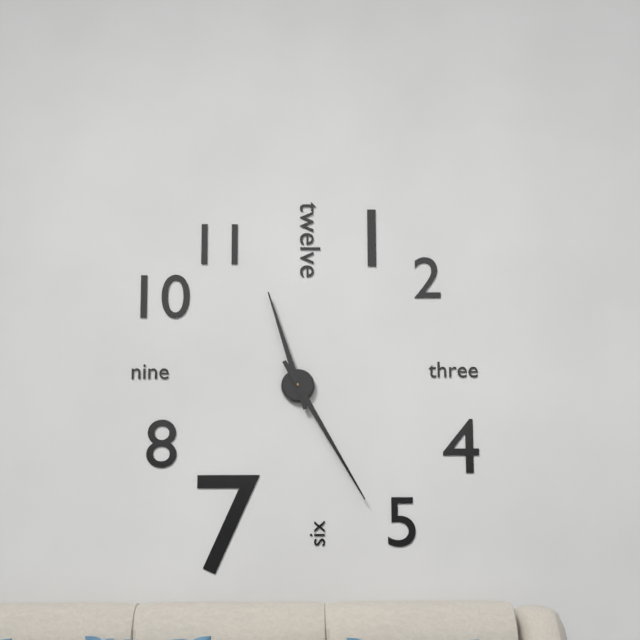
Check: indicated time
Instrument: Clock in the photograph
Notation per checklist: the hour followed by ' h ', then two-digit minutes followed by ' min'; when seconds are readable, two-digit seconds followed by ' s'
11 h 25 min
